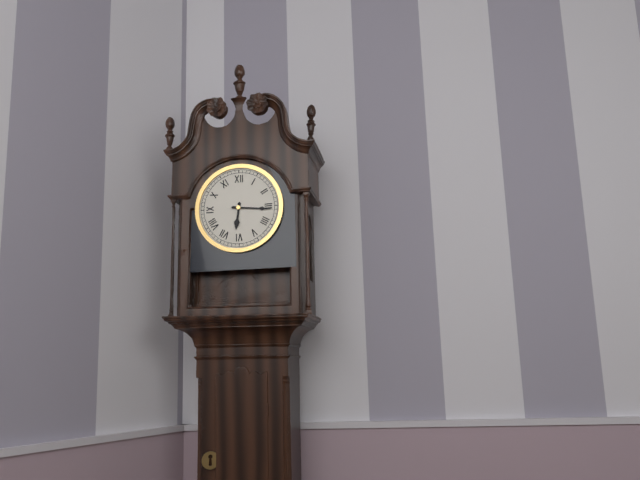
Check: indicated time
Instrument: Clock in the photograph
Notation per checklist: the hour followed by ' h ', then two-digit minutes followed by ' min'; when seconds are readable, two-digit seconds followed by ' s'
6 h 16 min
